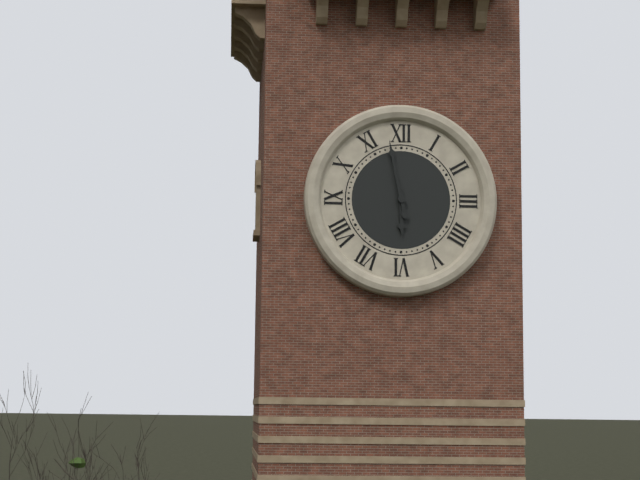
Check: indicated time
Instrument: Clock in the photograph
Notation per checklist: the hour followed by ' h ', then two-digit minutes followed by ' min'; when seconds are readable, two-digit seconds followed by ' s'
5 h 58 min
